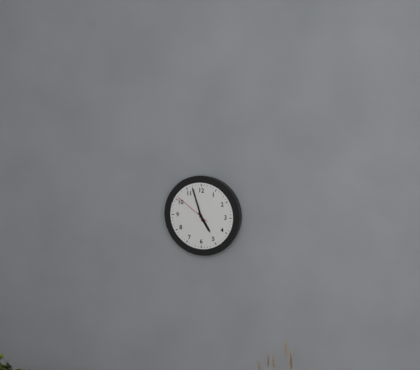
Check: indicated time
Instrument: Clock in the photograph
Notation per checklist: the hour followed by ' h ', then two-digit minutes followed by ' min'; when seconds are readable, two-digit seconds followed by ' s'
4 h 57 min
